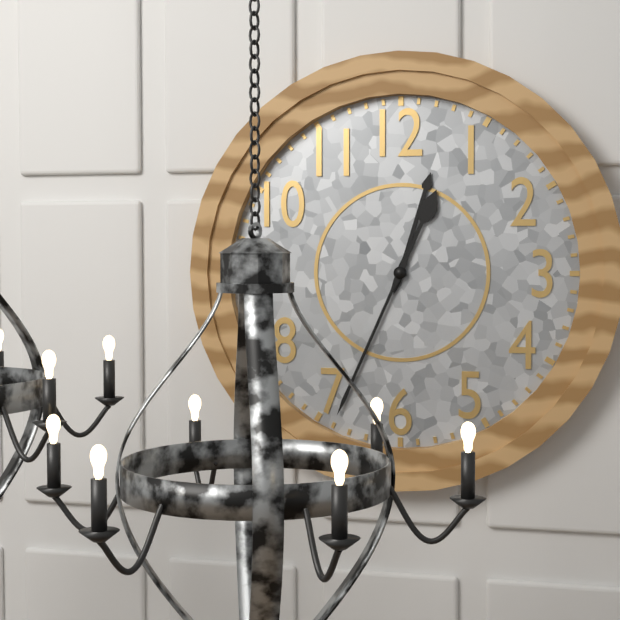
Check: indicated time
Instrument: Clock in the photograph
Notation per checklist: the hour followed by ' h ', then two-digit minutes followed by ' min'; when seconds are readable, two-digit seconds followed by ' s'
12 h 34 min
